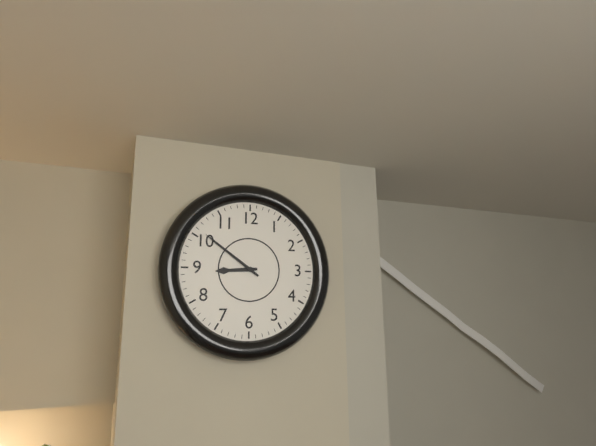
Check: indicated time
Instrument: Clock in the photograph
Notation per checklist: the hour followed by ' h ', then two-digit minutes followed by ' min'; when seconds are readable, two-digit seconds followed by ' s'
8 h 51 min
